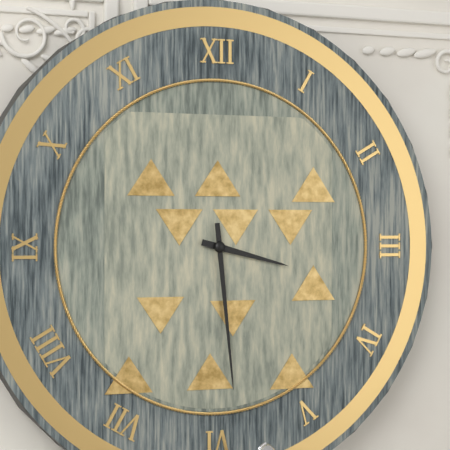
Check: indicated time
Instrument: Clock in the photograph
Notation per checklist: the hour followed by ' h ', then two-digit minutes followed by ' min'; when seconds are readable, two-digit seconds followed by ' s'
3 h 29 min
